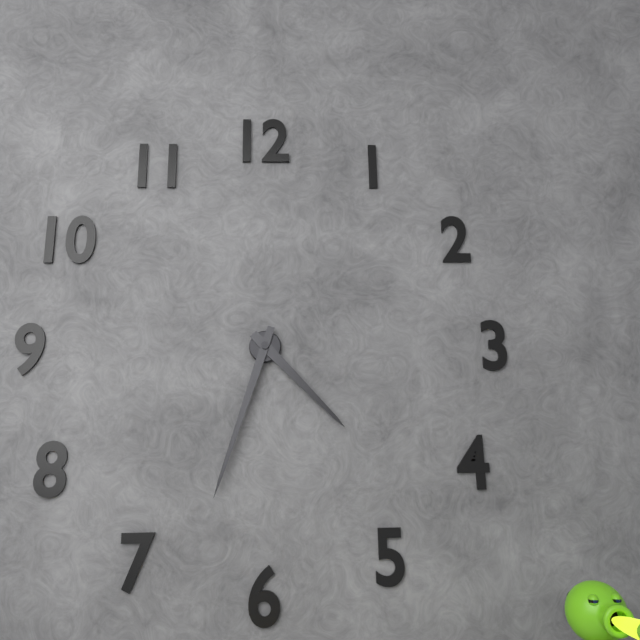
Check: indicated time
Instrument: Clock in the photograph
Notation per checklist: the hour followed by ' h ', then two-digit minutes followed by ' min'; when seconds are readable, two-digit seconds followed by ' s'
4 h 33 min
